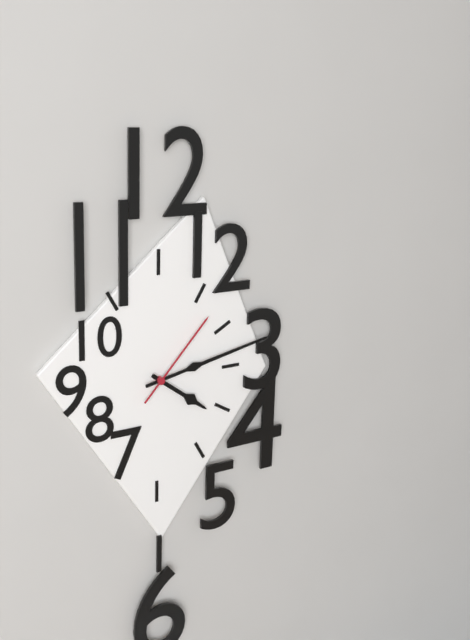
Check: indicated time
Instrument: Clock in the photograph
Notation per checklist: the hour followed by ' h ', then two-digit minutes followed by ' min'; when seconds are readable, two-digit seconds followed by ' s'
4 h 13 min 07 s
